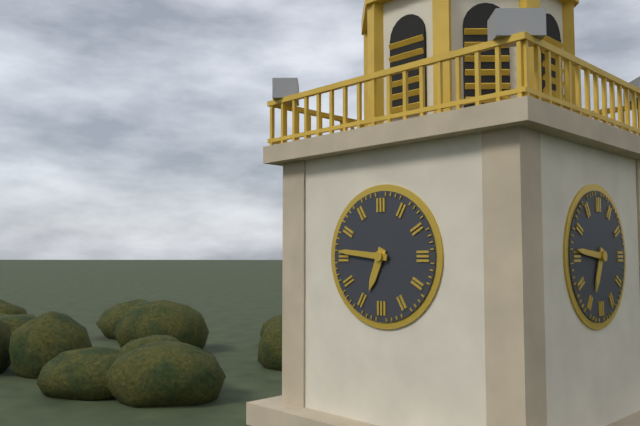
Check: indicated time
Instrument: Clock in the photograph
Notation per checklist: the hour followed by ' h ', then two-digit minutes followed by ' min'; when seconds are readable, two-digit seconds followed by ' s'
6 h 46 min
